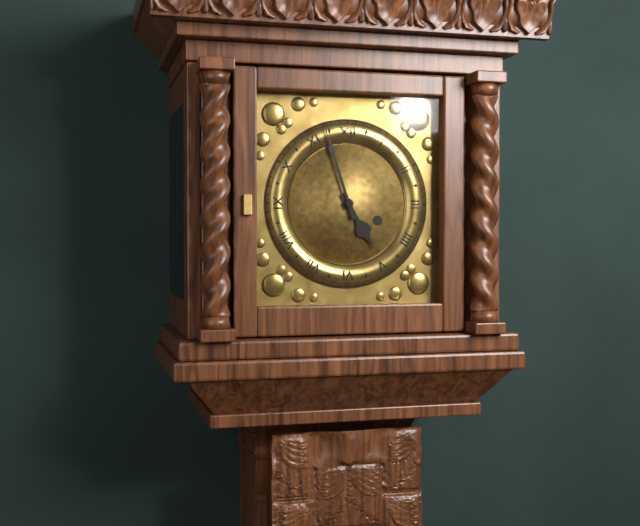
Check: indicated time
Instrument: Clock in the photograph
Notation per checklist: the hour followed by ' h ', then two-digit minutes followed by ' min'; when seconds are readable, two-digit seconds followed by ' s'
4 h 57 min
